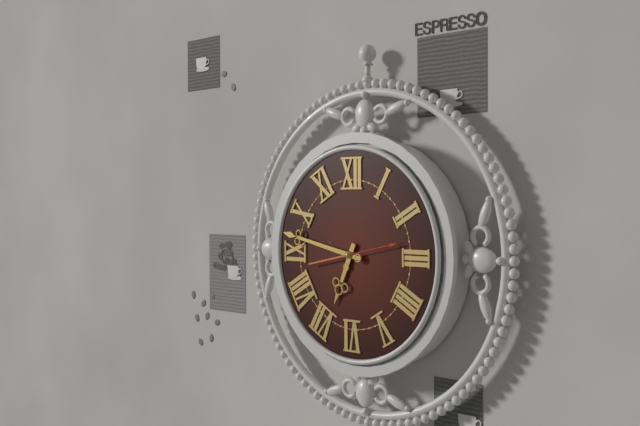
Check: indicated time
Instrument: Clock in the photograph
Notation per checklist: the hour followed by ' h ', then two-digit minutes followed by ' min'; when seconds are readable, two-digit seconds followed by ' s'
6 h 47 min
